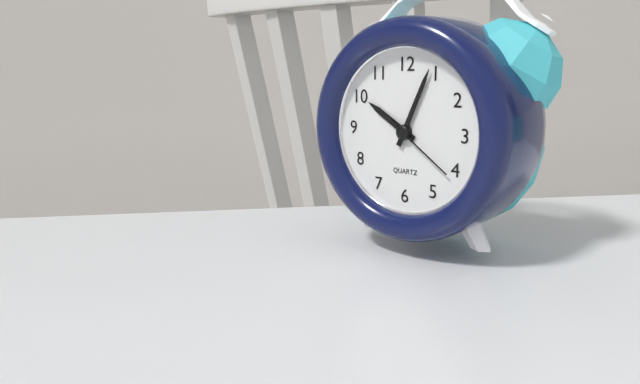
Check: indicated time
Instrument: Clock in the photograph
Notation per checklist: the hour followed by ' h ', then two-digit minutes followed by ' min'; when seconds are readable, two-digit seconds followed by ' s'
10 h 04 min 21 s
